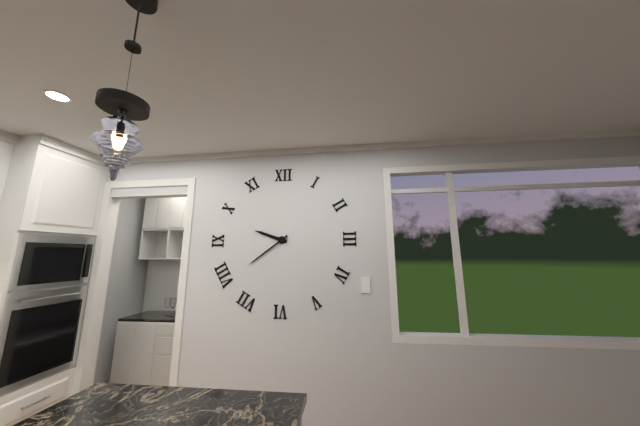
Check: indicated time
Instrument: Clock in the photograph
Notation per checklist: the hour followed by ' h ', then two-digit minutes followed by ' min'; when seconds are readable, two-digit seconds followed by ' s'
9 h 39 min
